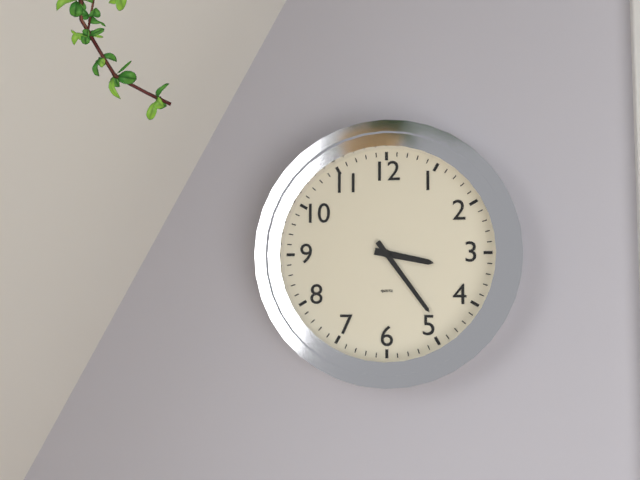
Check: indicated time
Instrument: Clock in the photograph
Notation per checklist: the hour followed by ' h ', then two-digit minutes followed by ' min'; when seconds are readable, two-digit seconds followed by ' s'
3 h 24 min
